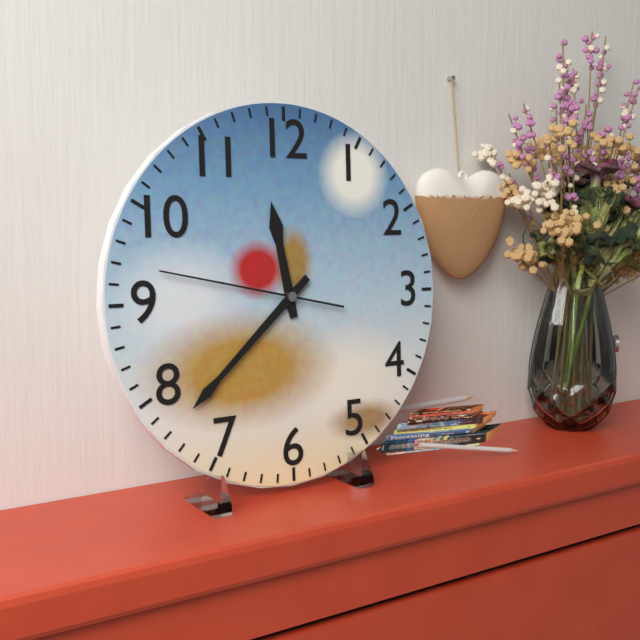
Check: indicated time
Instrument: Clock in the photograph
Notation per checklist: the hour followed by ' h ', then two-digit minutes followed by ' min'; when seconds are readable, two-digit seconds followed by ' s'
11 h 38 min 47 s
